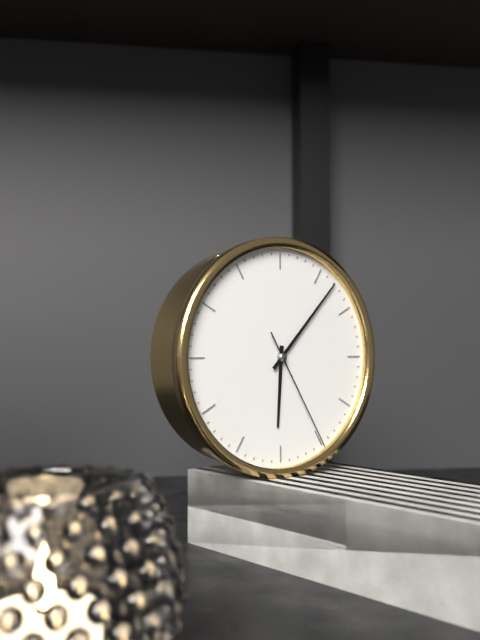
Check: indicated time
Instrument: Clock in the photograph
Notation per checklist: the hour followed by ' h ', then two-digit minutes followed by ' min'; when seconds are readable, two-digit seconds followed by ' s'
6 h 07 min 25 s
